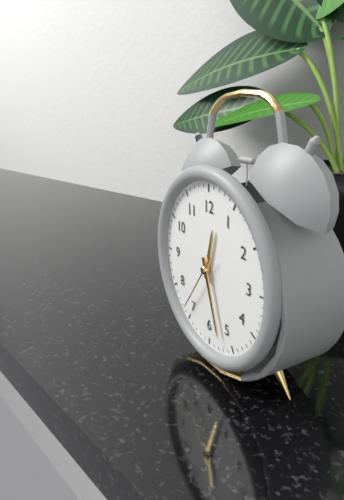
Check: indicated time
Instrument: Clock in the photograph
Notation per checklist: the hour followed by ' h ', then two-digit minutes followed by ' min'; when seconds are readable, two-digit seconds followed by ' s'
12 h 27 min 36 s
